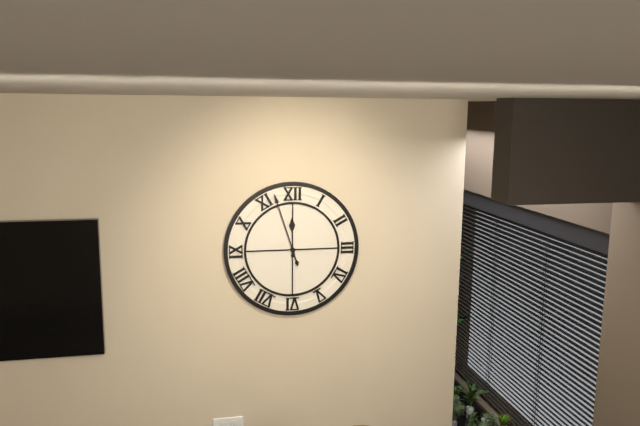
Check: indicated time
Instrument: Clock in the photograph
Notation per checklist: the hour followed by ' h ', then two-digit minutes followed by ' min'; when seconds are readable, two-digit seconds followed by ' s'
11 h 57 min
